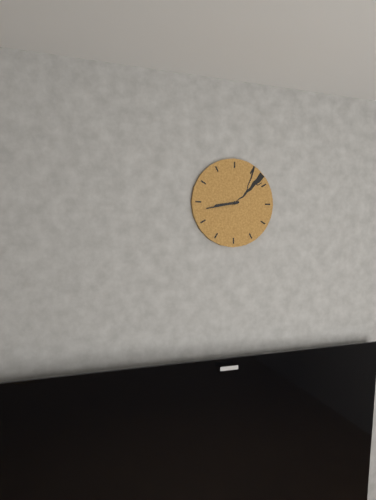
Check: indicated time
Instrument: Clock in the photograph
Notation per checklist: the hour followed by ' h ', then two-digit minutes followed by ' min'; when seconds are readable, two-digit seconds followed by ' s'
8 h 43 min
